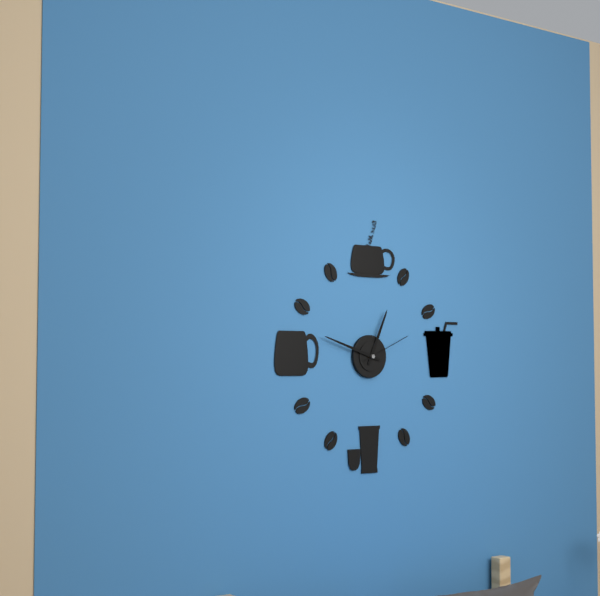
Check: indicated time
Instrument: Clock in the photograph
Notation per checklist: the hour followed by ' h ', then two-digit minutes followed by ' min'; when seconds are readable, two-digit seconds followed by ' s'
12 h 48 min 11 s
